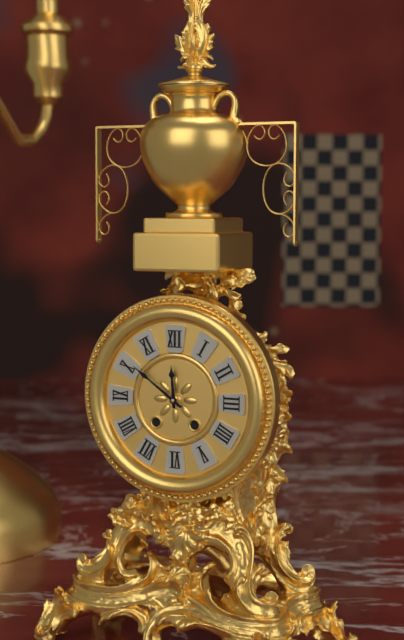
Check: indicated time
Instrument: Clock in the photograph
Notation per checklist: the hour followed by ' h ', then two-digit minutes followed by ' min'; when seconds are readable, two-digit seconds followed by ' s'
11 h 51 min
